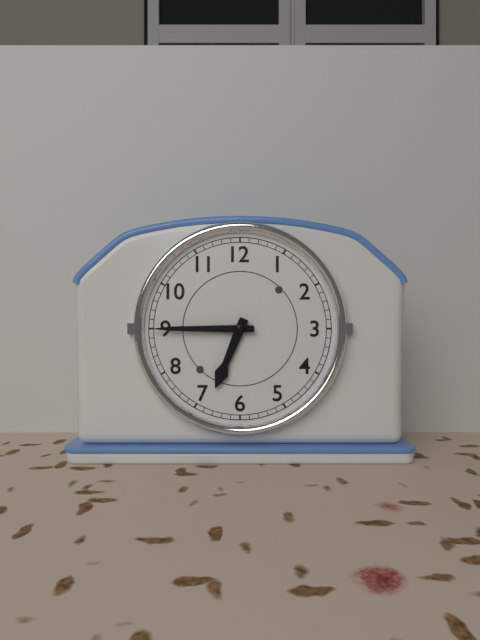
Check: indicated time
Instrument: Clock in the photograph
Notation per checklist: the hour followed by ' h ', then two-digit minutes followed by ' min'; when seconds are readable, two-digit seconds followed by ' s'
6 h 45 min
